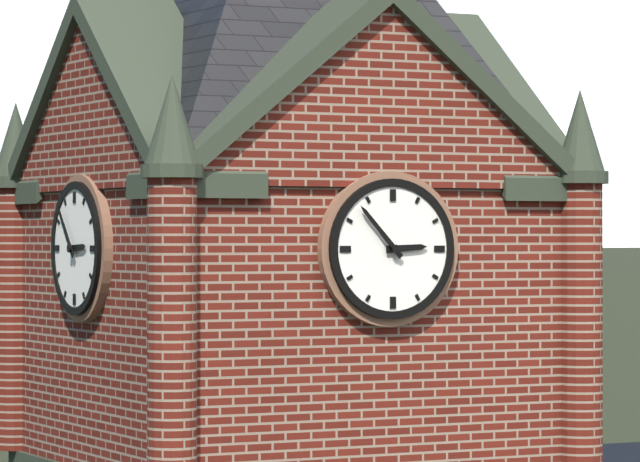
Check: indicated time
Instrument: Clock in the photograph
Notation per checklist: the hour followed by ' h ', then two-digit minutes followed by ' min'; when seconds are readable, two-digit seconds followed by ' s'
2 h 53 min
